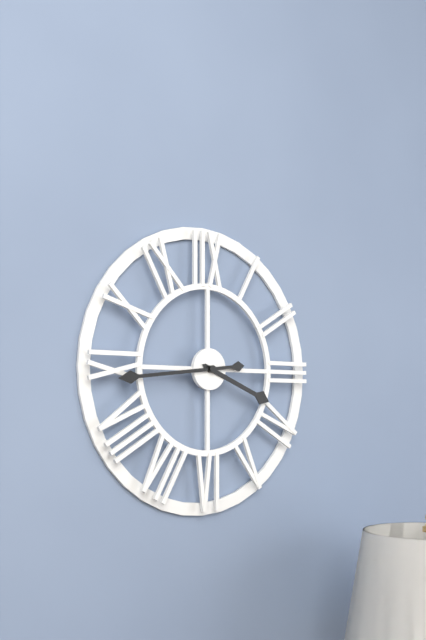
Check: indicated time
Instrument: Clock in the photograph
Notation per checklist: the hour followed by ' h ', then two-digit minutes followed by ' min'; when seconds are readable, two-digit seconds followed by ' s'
3 h 44 min
